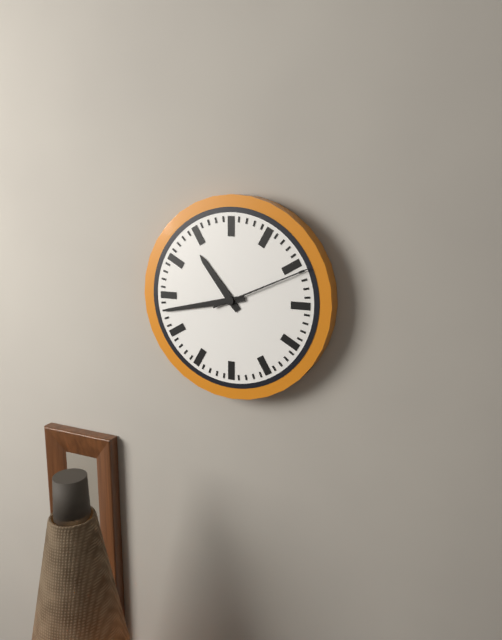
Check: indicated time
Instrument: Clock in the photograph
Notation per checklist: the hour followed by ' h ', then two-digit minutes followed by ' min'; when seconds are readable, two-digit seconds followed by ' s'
10 h 43 min 11 s
